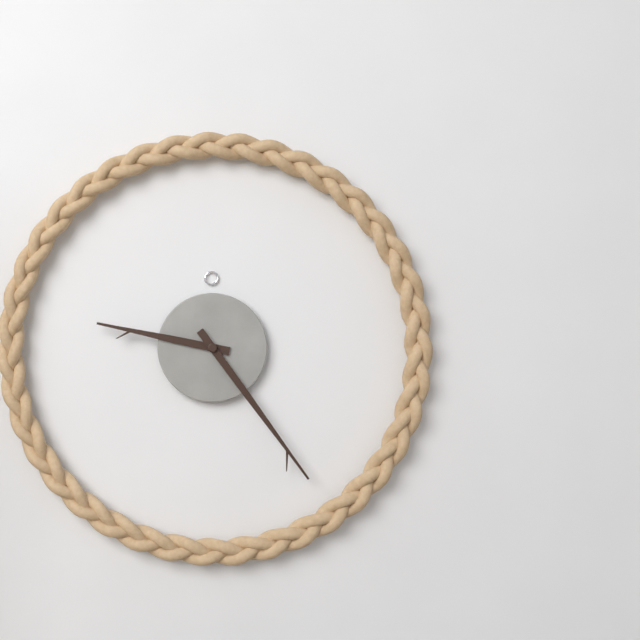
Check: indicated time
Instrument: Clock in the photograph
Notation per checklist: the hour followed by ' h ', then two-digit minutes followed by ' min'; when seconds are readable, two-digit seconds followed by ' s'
9 h 24 min
